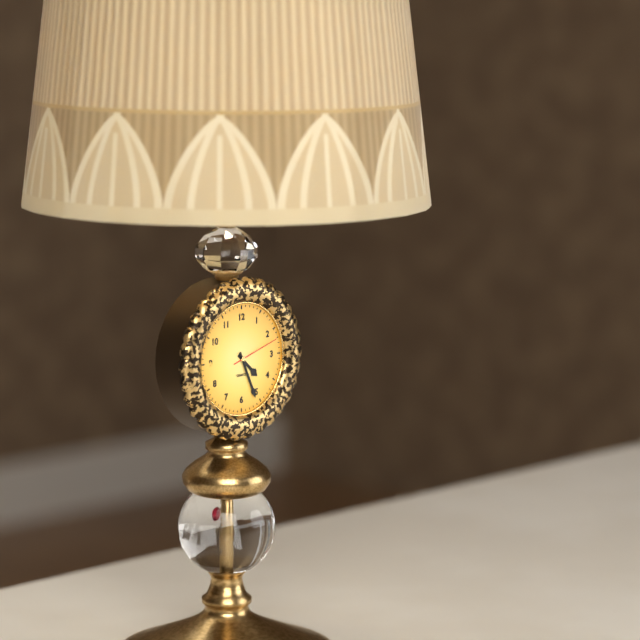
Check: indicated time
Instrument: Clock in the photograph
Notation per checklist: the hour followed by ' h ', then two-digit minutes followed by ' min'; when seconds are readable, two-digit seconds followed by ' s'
4 h 26 min
